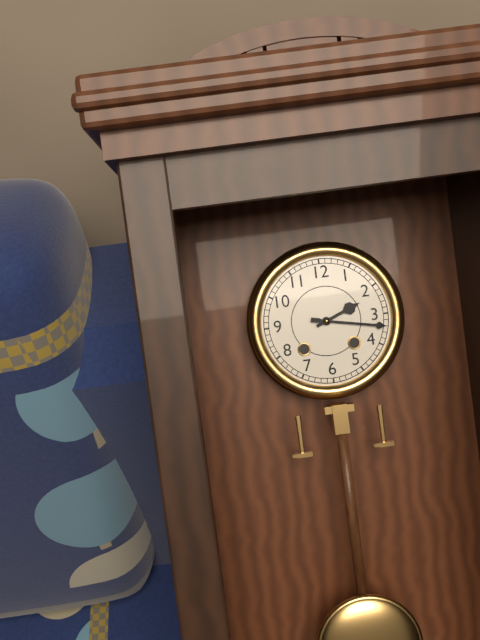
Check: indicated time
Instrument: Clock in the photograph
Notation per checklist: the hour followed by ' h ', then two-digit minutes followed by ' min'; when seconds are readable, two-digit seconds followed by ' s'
2 h 17 min
